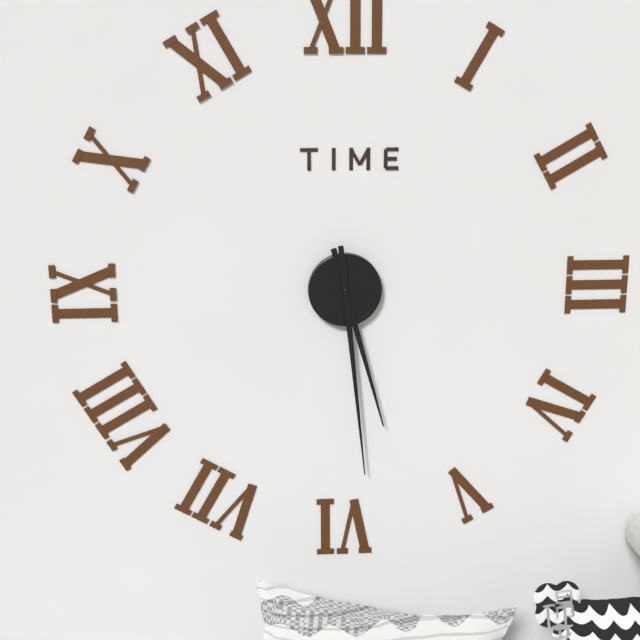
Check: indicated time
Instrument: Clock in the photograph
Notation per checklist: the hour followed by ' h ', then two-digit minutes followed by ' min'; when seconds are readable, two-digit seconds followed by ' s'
5 h 29 min
